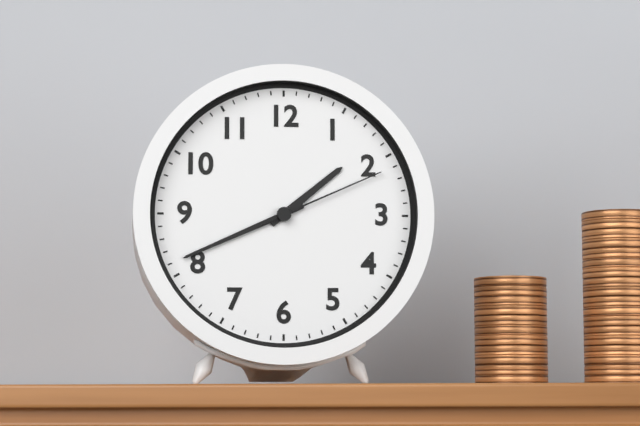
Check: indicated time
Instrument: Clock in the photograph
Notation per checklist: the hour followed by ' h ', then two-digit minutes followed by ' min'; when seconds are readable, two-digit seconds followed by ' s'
1 h 41 min 11 s
